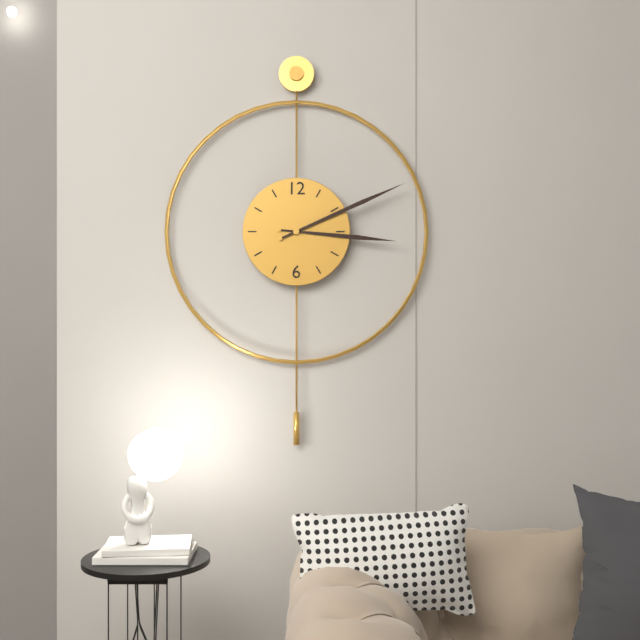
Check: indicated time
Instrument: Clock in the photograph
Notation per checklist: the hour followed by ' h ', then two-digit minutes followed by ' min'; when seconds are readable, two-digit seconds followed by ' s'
3 h 11 min
